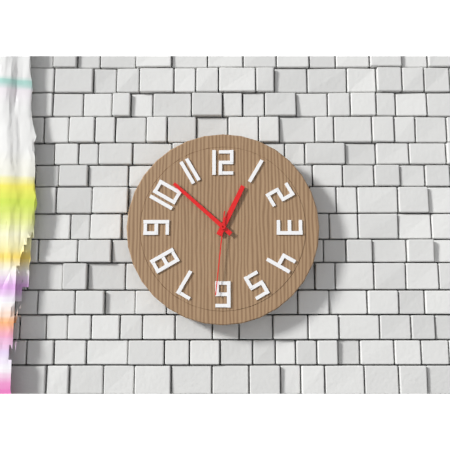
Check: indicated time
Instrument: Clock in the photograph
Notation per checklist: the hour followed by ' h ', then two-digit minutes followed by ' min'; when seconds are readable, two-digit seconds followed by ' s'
12 h 52 min 31 s
